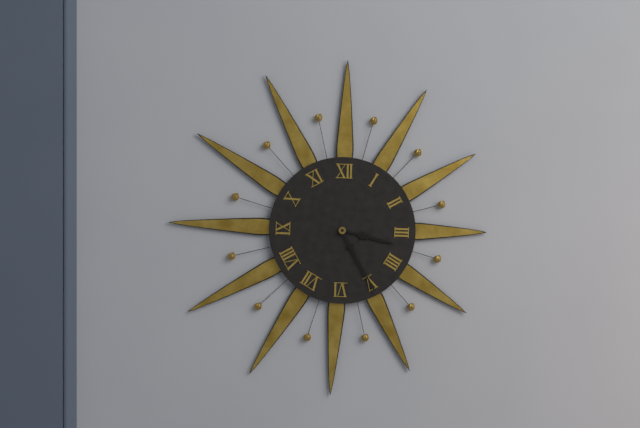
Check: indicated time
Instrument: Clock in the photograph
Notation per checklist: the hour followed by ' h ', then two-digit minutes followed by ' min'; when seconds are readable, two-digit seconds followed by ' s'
3 h 25 min
